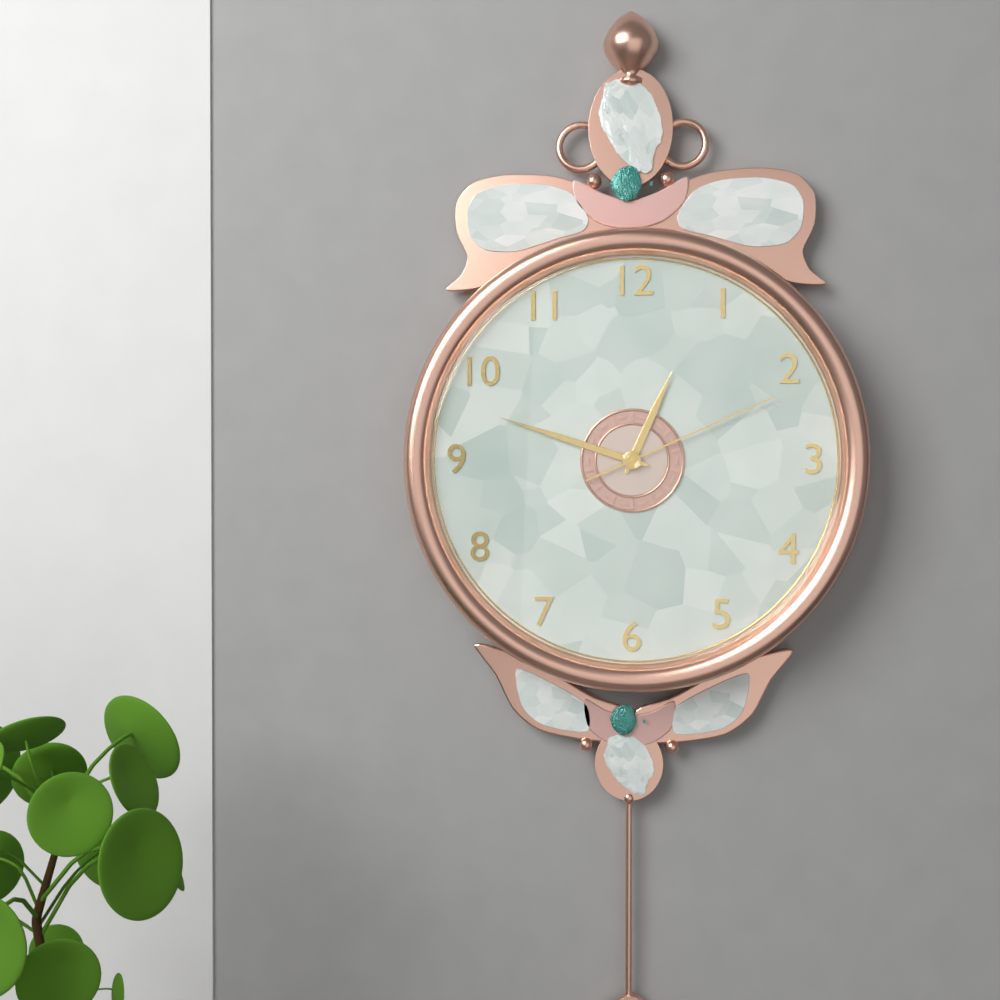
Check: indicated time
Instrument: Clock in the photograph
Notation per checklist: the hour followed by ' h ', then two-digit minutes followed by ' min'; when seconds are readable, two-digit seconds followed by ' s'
12 h 48 min 11 s
